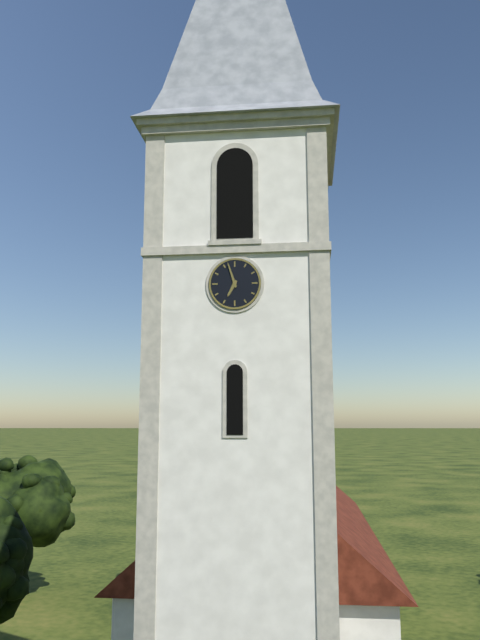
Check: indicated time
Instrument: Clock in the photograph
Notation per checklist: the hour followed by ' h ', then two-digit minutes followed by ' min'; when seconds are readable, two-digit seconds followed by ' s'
6 h 57 min
